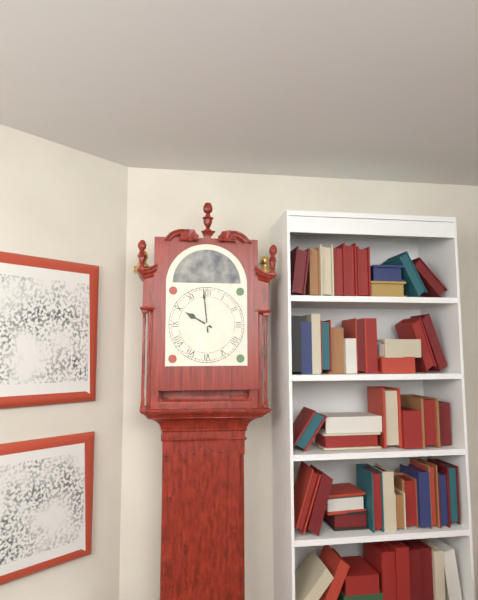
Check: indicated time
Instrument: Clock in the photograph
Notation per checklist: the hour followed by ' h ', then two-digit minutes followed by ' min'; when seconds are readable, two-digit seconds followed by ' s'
9 h 59 min
